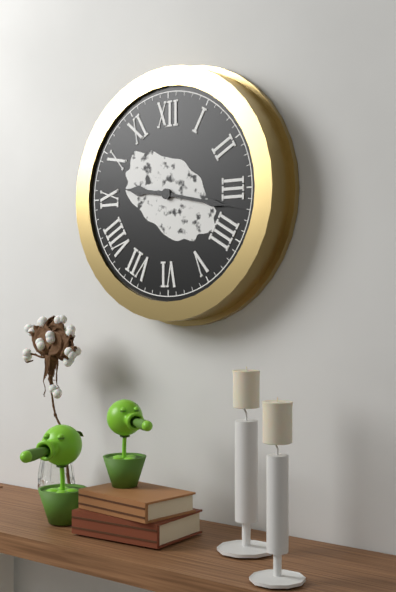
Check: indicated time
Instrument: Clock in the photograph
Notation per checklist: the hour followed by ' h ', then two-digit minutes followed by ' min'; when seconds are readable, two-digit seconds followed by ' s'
9 h 17 min
